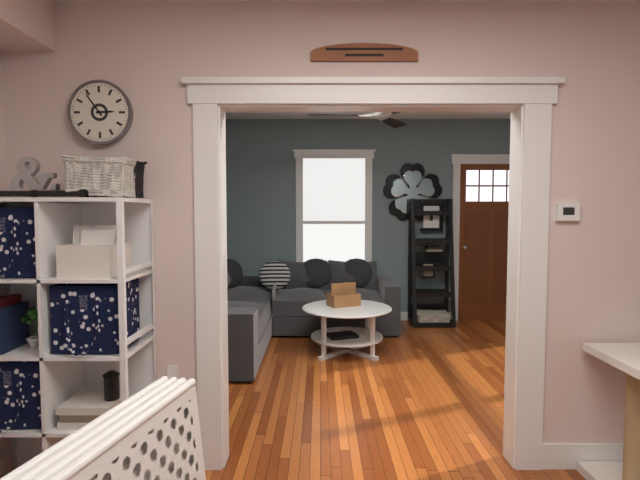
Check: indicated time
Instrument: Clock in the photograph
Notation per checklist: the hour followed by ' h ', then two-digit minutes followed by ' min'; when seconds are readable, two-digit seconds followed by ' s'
2 h 54 min
